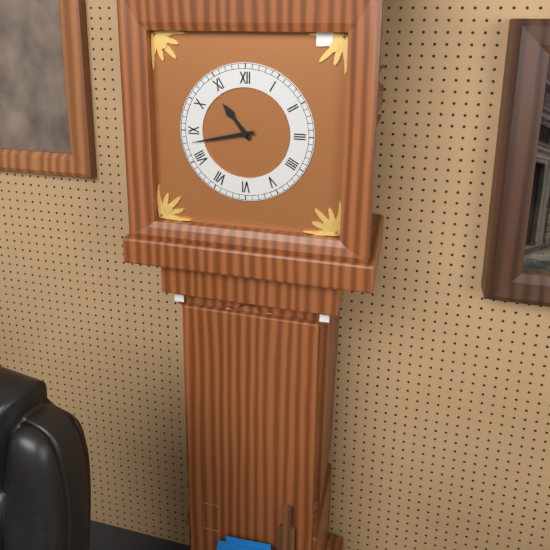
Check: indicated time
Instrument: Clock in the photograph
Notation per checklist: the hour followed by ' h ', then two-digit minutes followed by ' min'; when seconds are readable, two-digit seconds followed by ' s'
10 h 43 min
